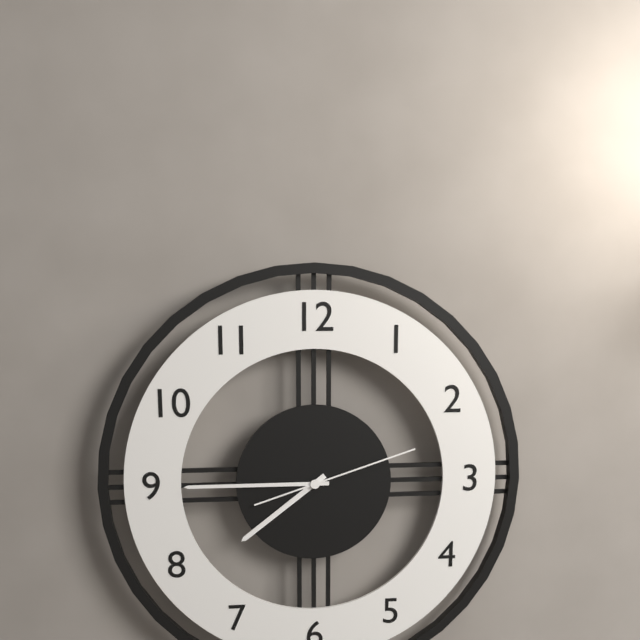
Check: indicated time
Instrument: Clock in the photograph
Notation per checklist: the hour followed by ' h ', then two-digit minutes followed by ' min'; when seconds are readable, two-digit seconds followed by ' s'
7 h 45 min 12 s
